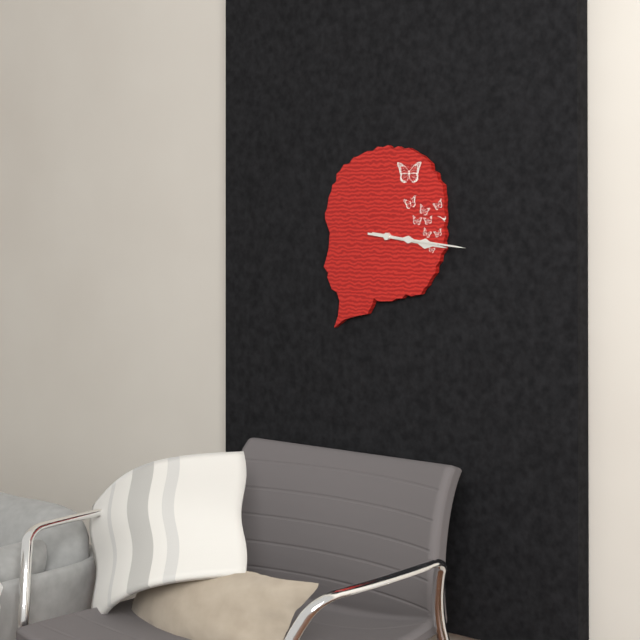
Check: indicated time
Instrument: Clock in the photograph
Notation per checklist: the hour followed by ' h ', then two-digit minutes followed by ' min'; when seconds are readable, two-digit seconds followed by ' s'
3 h 16 min
